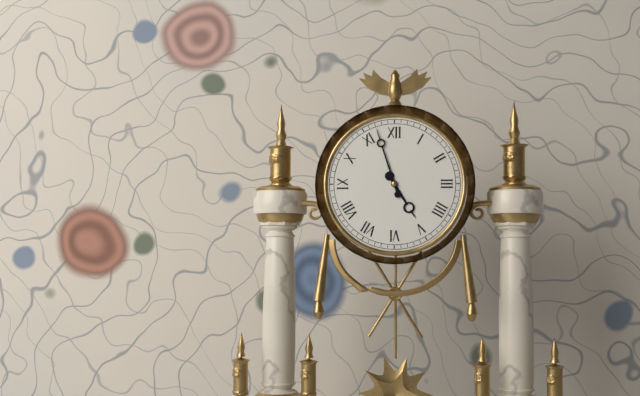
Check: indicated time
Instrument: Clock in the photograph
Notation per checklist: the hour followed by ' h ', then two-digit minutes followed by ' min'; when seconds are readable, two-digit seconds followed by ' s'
4 h 57 min
